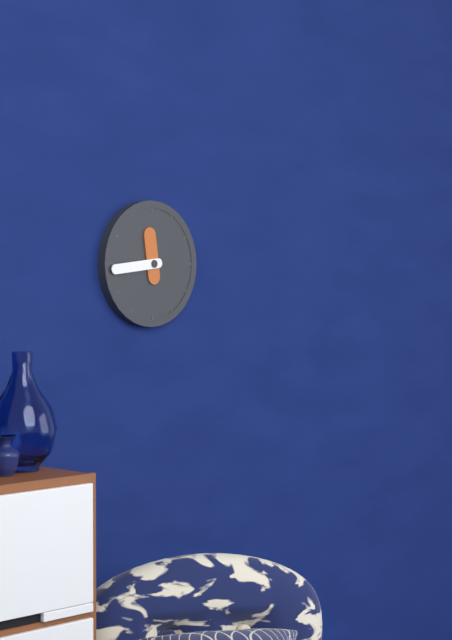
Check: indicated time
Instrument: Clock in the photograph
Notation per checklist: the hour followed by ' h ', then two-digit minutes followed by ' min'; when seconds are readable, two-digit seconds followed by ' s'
11 h 44 min
